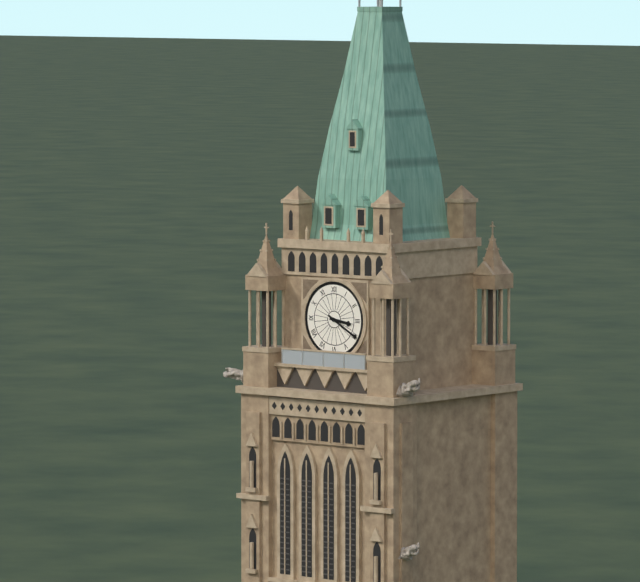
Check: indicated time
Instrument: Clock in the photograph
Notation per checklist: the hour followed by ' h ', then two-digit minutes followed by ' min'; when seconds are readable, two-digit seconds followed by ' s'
3 h 20 min
